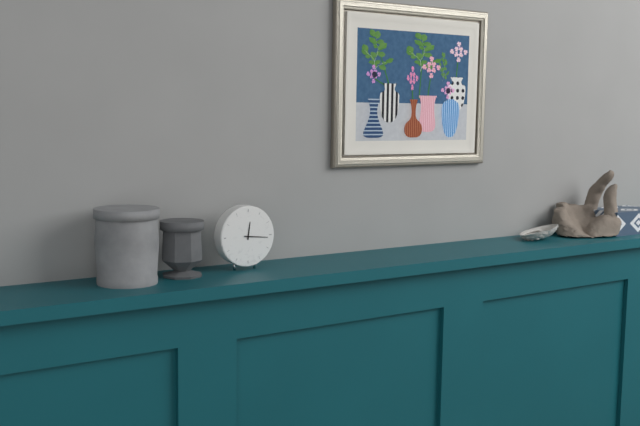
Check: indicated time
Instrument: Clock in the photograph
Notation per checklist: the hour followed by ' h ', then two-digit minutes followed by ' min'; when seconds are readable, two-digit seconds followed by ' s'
12 h 16 min
